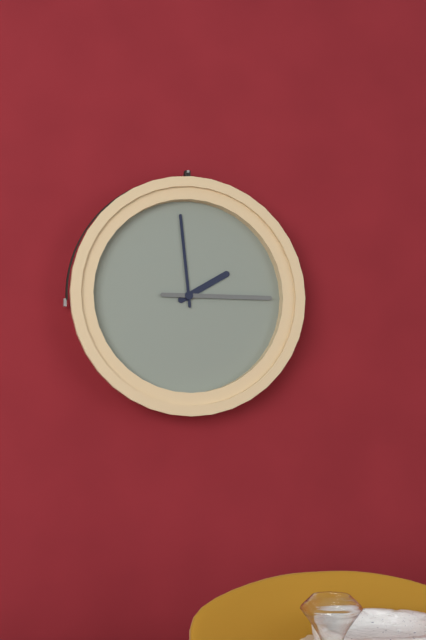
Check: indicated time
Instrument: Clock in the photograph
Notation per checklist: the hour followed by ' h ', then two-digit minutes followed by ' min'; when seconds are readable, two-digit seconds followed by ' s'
1 h 59 min 15 s
